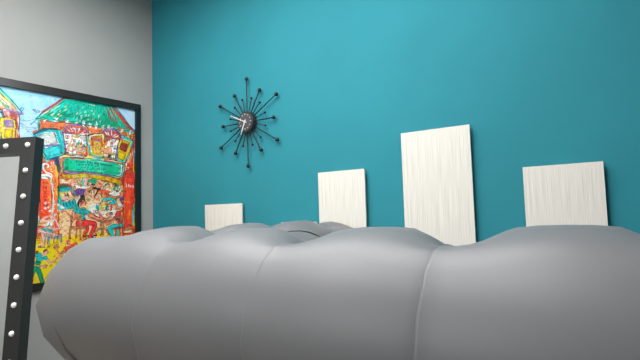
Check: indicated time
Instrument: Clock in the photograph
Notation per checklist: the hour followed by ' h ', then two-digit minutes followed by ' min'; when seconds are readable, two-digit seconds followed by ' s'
6 h 49 min
